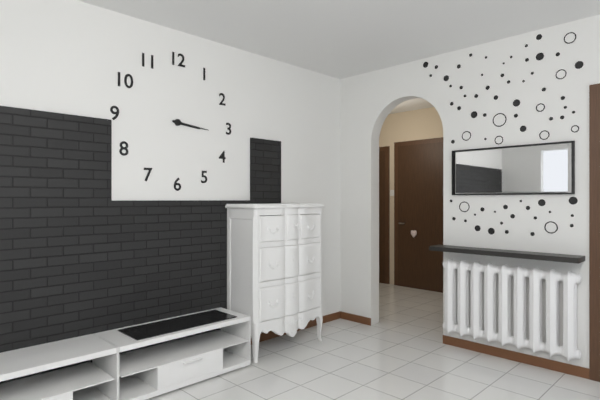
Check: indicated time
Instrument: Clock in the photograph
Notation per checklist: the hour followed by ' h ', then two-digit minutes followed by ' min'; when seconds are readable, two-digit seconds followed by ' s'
3 h 16 min
